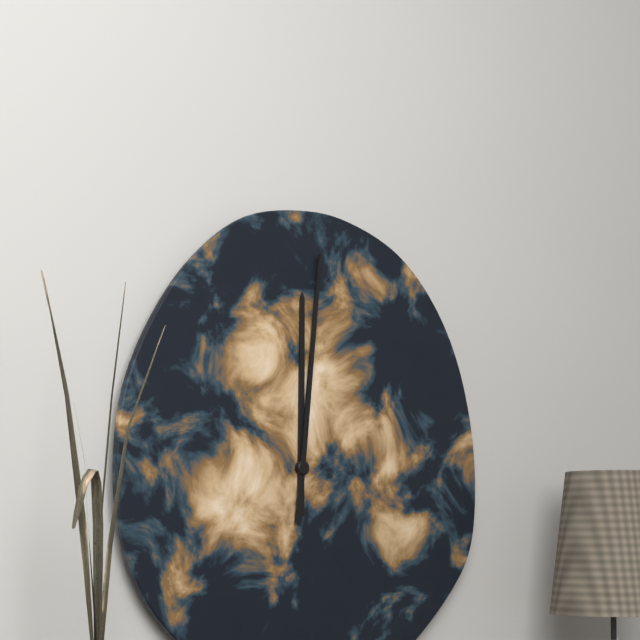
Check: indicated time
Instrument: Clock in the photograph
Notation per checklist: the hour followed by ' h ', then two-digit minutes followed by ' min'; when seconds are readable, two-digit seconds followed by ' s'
12 h 01 min
